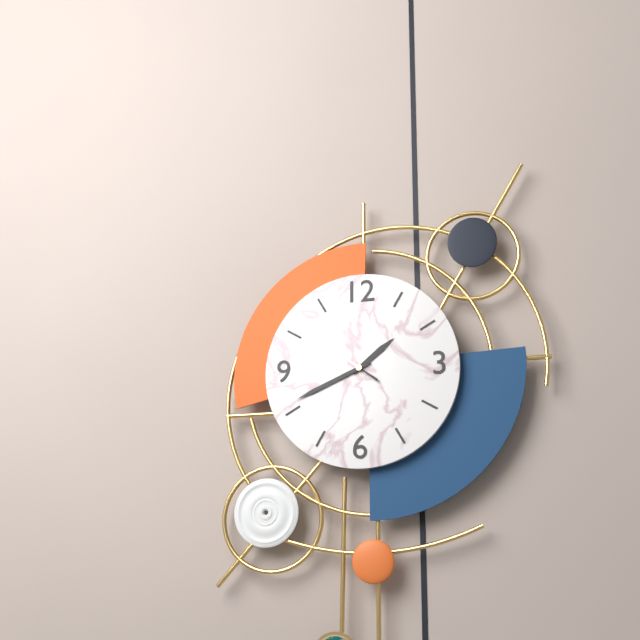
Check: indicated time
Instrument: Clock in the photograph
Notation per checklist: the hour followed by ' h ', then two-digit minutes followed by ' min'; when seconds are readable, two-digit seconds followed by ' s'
1 h 41 min 51 s
